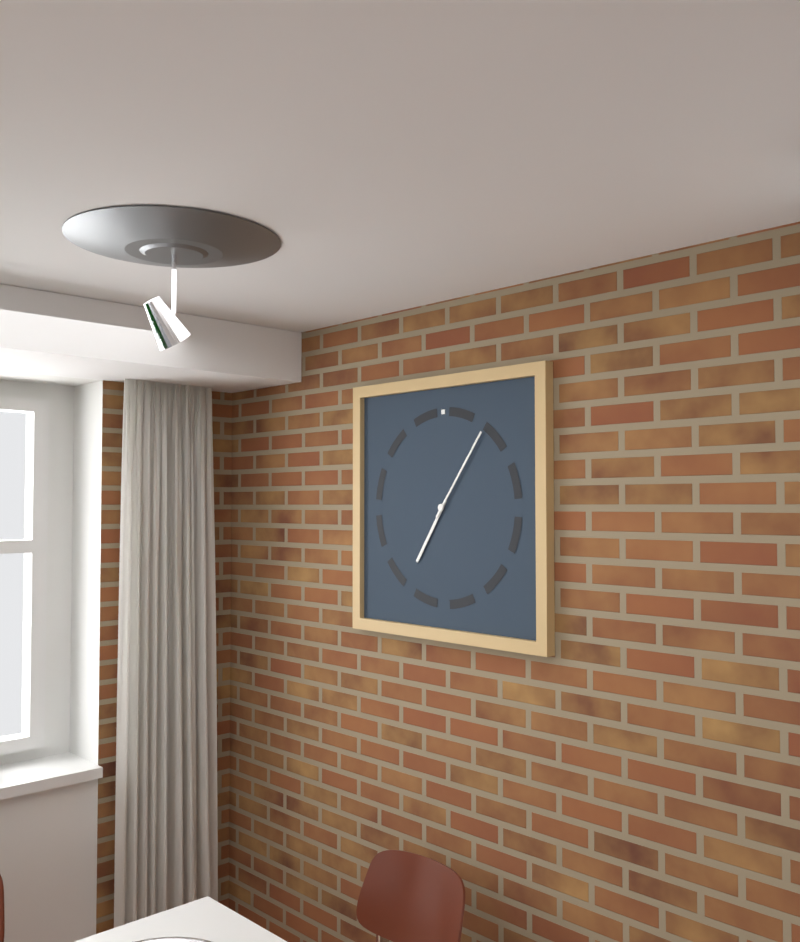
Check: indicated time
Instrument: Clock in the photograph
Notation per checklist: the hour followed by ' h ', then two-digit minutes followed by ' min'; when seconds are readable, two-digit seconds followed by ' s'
7 h 06 min
